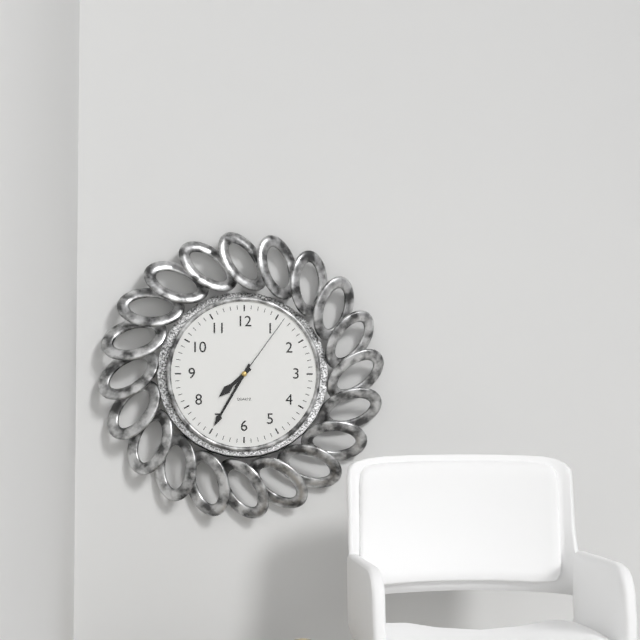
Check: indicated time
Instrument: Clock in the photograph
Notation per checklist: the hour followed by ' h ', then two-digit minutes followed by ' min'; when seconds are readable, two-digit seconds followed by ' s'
7 h 35 min 06 s
